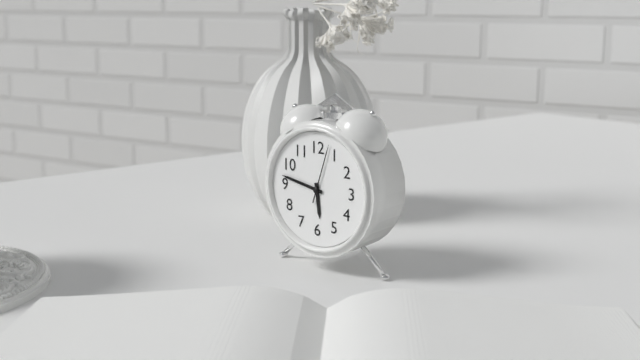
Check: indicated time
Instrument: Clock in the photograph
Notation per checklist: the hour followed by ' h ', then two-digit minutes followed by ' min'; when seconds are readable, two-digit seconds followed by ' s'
5 h 47 min 03 s
